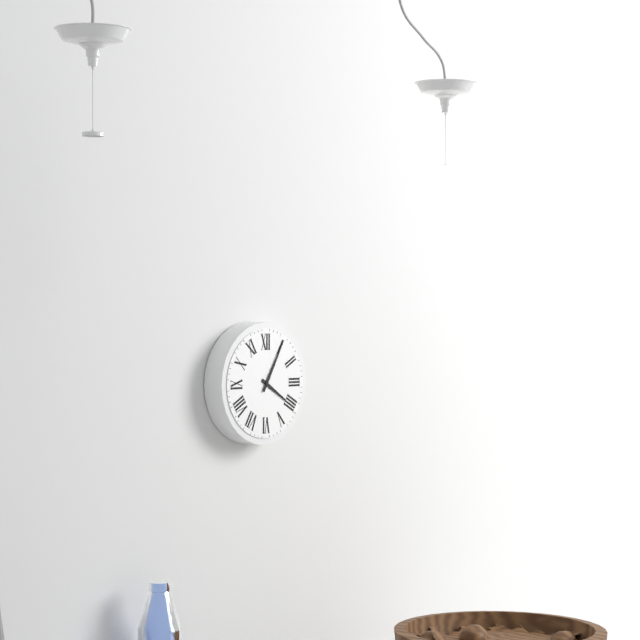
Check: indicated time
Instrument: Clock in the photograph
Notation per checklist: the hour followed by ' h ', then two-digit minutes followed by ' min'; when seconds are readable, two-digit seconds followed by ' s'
4 h 05 min
